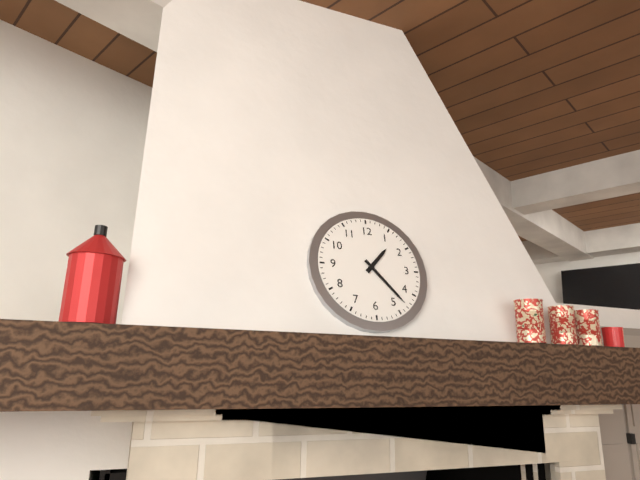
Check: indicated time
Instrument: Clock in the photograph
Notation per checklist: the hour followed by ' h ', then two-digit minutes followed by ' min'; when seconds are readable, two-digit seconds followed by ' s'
1 h 23 min
